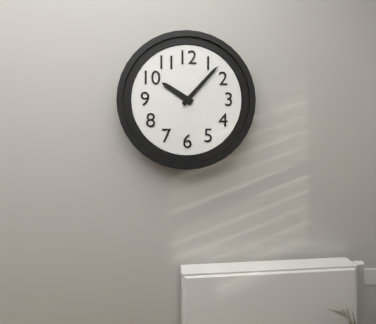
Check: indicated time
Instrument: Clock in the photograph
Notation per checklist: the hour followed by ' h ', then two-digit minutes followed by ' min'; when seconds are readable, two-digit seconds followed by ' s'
10 h 07 min
